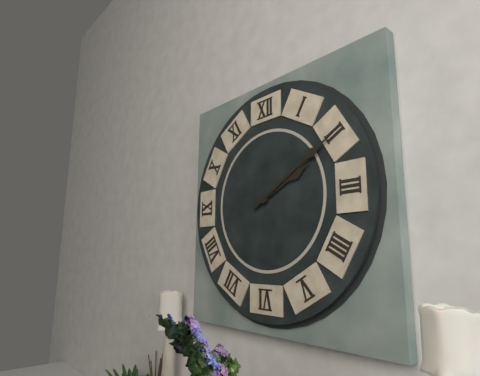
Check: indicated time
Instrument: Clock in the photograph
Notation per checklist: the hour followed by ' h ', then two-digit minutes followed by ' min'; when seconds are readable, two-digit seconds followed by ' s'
2 h 10 min
